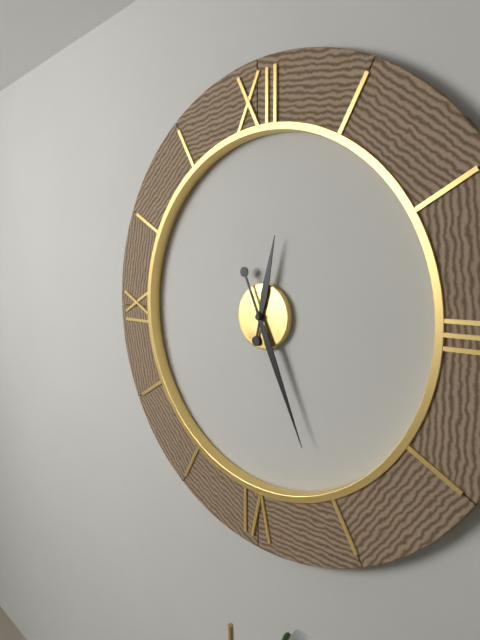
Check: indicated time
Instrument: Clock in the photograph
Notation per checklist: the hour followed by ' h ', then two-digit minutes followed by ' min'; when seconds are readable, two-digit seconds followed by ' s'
12 h 26 min
